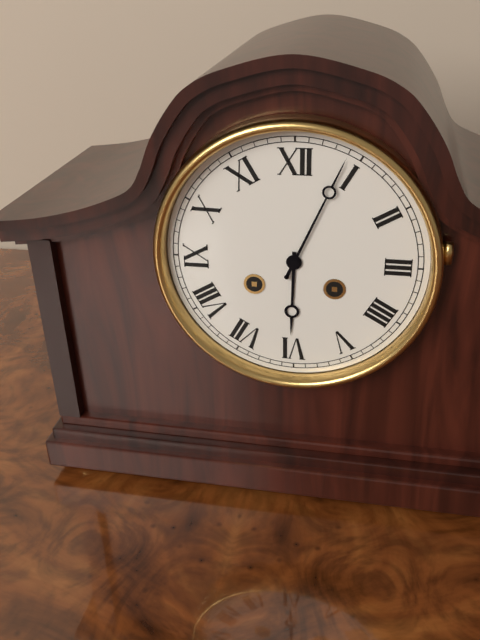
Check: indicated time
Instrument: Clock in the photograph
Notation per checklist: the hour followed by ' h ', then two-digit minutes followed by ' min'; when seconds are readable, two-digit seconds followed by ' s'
6 h 04 min
